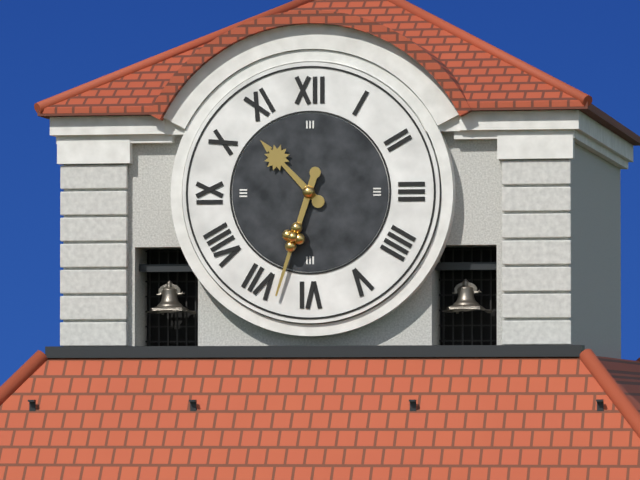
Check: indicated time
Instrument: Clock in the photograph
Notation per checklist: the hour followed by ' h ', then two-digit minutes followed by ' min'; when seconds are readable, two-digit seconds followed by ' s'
10 h 33 min
